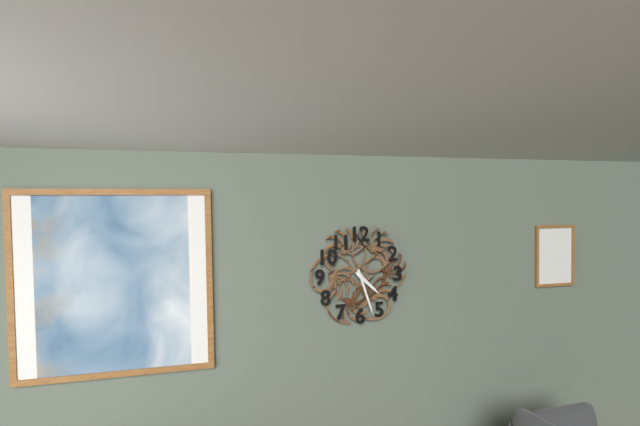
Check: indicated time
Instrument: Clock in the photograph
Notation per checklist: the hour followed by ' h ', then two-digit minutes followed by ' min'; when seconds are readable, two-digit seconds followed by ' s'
4 h 27 min
